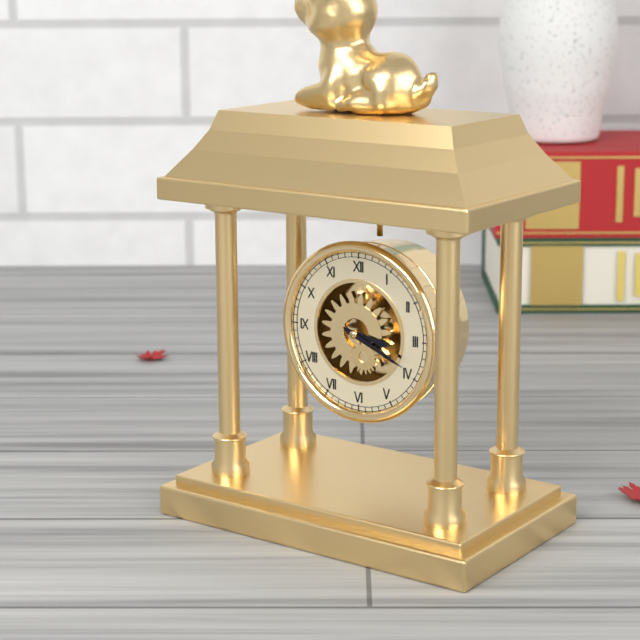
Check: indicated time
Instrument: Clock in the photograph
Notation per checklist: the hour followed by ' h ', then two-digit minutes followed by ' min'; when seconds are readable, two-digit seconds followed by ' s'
3 h 19 min
